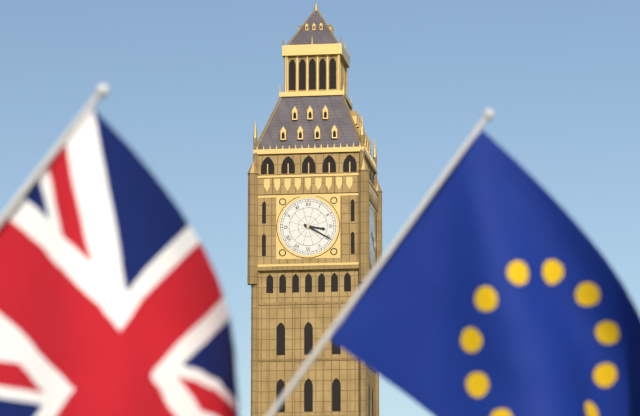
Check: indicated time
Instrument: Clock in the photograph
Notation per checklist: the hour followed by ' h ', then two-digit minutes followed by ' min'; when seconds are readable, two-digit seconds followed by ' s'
3 h 20 min
